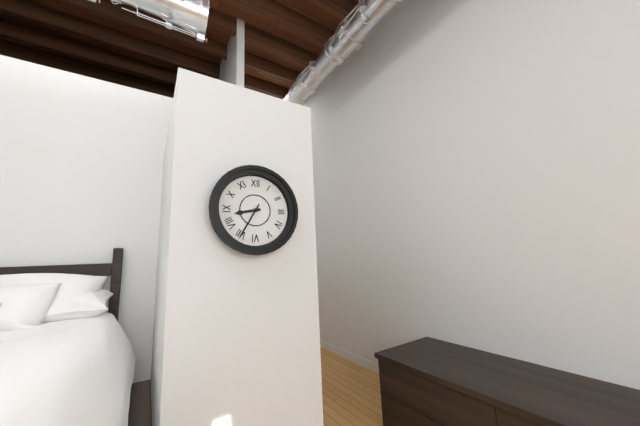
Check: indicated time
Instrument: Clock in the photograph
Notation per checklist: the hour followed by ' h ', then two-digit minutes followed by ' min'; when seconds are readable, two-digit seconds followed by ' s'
8 h 35 min
